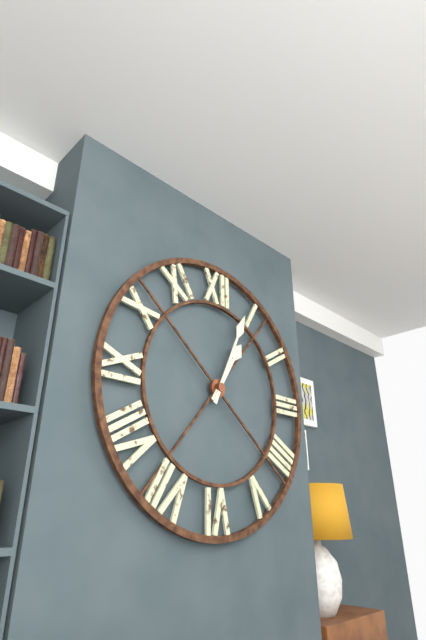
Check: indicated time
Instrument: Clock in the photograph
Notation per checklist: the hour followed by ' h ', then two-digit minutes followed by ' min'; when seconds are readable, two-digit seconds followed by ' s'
1 h 04 min
